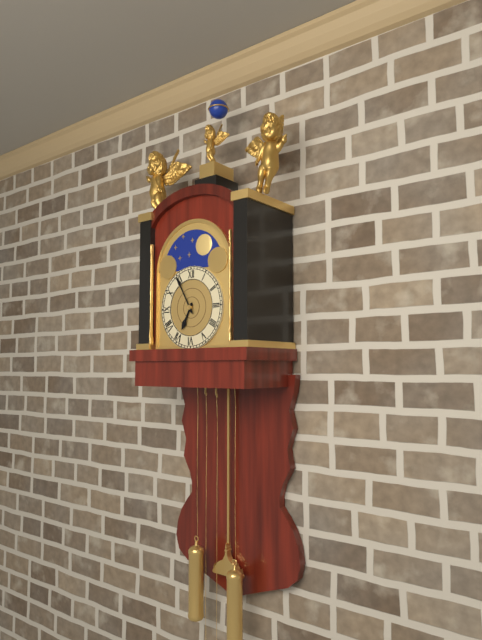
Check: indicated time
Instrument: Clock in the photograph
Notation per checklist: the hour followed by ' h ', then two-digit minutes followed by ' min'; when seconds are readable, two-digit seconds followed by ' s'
6 h 55 min
